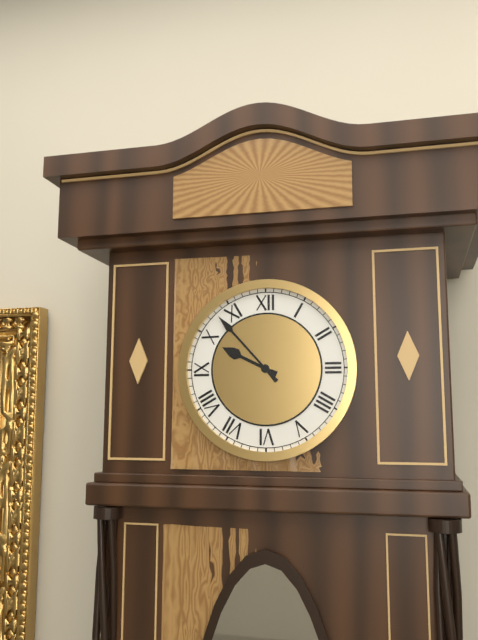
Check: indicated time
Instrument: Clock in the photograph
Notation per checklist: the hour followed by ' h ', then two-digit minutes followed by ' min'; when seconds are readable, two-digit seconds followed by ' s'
9 h 53 min
